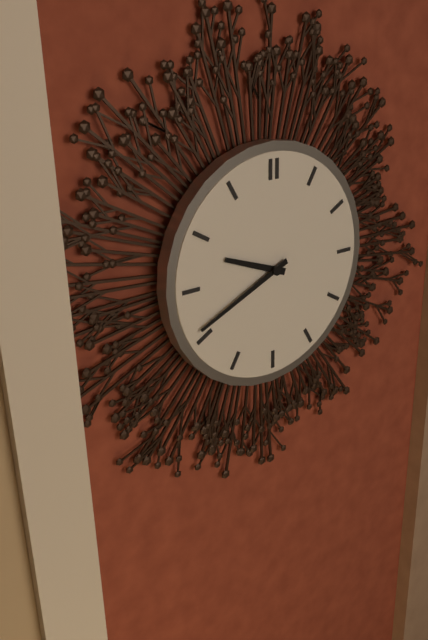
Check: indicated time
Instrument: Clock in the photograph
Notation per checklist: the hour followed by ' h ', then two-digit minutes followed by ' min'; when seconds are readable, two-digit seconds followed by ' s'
9 h 41 min
